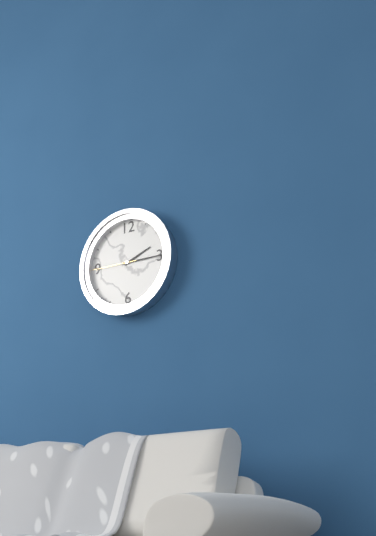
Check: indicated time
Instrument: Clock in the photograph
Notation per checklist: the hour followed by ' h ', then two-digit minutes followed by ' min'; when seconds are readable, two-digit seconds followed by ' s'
2 h 15 min
